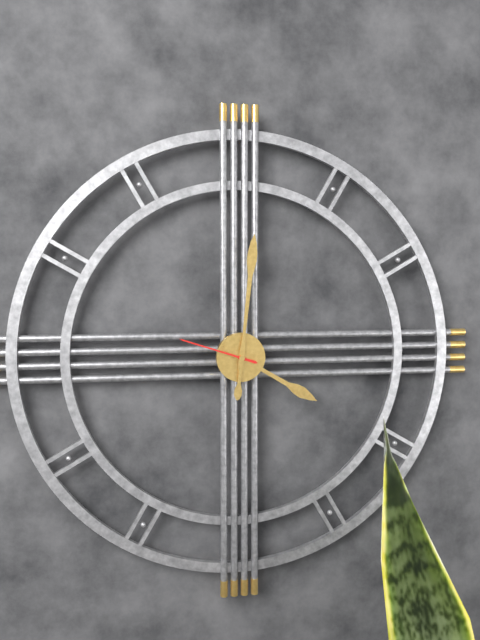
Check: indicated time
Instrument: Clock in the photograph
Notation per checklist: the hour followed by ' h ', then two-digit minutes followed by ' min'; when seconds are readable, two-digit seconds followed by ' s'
4 h 01 min 48 s
